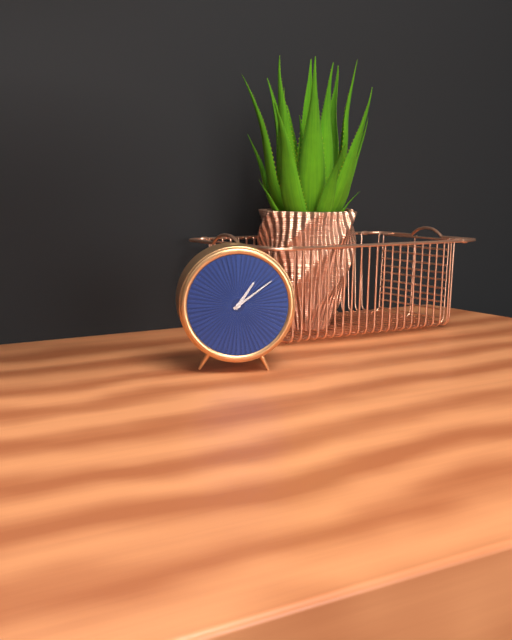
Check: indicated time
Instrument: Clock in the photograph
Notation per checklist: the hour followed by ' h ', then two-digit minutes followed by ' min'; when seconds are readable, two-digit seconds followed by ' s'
1 h 09 min
